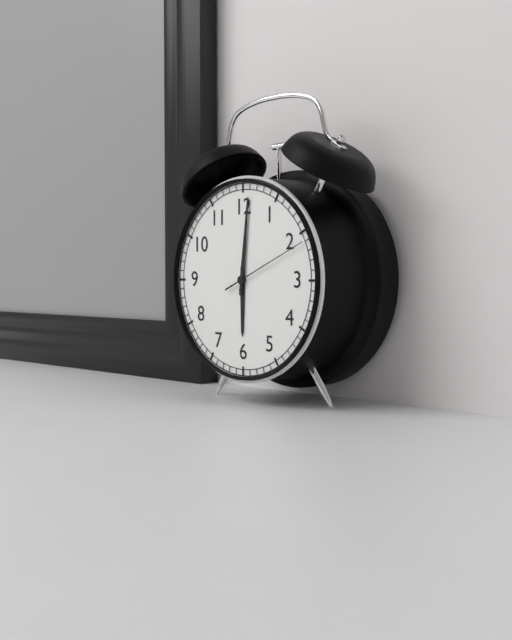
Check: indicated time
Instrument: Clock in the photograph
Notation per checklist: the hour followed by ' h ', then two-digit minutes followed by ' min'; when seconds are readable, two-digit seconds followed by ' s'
6 h 01 min 11 s
